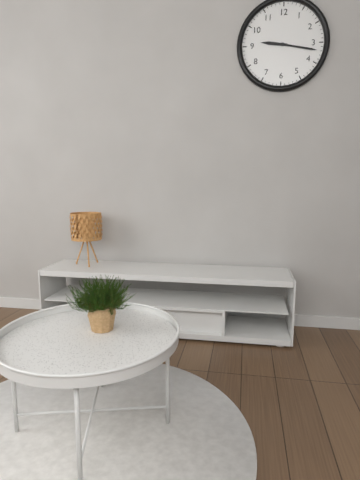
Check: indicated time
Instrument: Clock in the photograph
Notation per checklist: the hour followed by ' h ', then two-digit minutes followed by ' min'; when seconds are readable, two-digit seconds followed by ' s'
9 h 17 min
